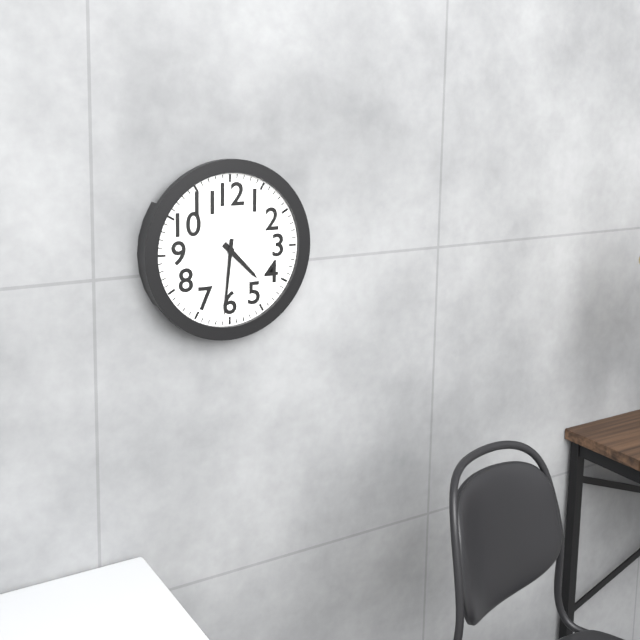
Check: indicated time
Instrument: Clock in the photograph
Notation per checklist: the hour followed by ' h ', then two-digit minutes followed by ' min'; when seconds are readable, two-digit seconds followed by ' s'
4 h 31 min
